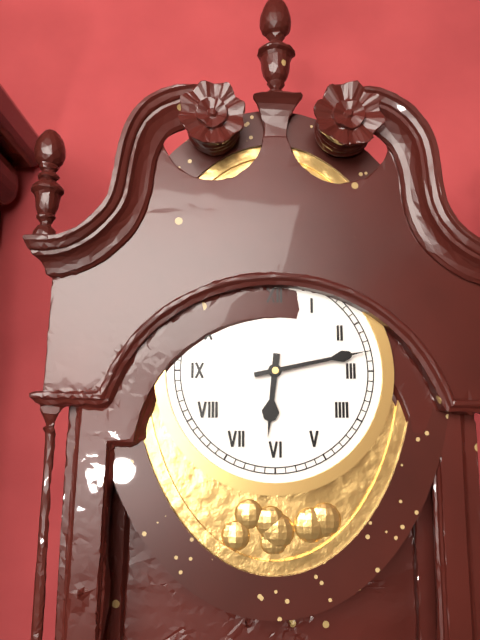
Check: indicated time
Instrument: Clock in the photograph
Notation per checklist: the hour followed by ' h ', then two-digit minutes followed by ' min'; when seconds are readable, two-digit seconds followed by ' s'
6 h 13 min
